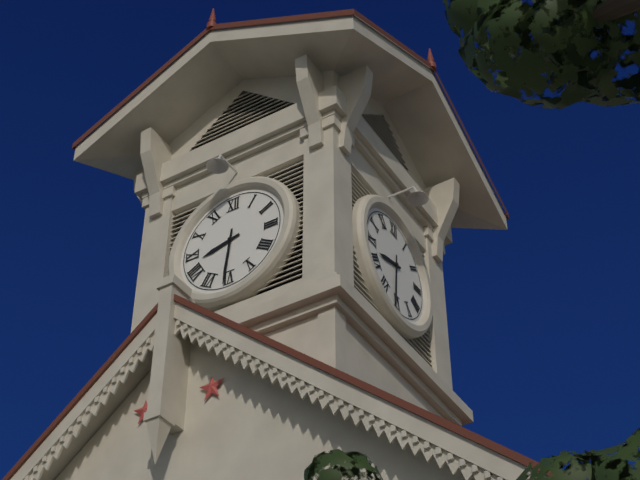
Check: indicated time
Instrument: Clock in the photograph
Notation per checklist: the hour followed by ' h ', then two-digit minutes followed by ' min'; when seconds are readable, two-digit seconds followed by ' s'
8 h 31 min
